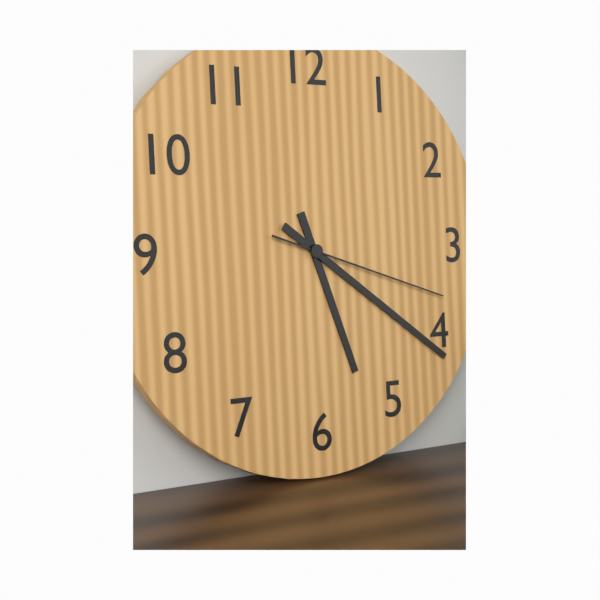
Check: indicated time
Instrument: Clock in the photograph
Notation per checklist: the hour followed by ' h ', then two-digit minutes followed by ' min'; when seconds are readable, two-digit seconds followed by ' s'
5 h 21 min 18 s
